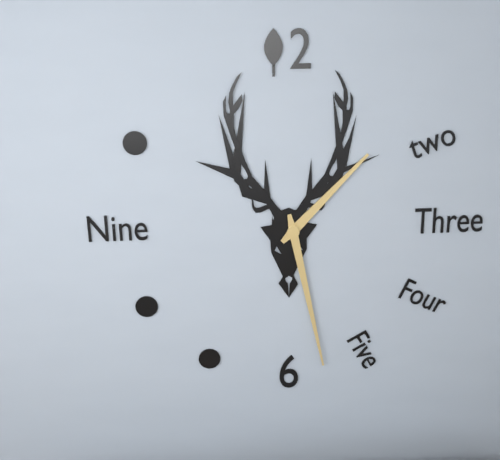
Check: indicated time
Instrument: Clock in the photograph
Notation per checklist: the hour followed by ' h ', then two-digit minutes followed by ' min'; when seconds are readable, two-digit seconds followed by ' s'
1 h 28 min
